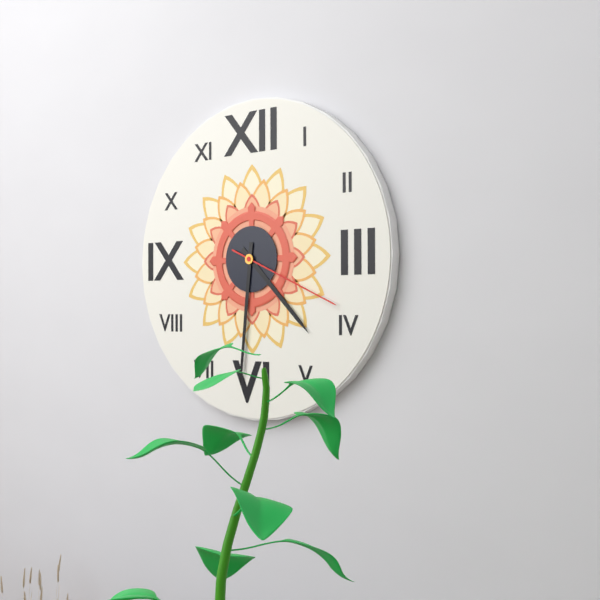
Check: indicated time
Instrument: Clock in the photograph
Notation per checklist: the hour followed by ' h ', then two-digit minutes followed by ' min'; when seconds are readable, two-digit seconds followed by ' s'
4 h 31 min 19 s
